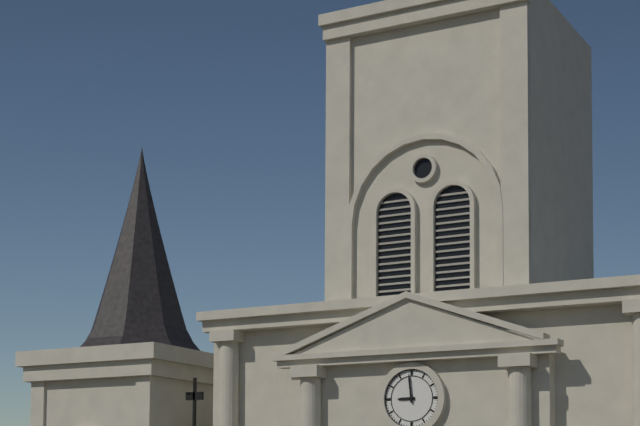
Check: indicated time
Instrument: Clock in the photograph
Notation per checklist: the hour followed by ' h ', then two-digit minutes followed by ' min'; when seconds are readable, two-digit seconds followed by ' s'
8 h 59 min
